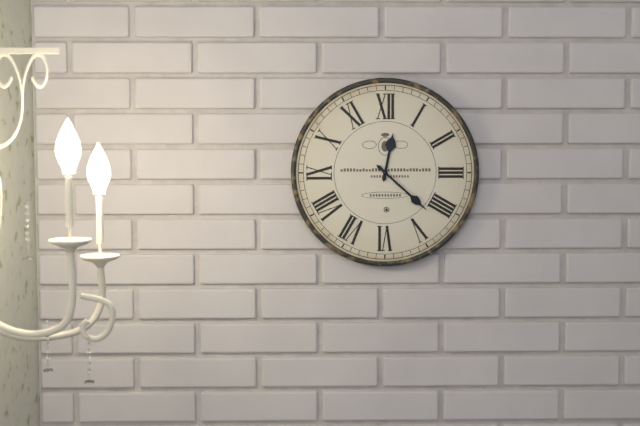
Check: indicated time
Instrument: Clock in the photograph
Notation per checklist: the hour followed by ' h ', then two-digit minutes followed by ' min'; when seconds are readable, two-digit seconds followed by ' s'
12 h 22 min
